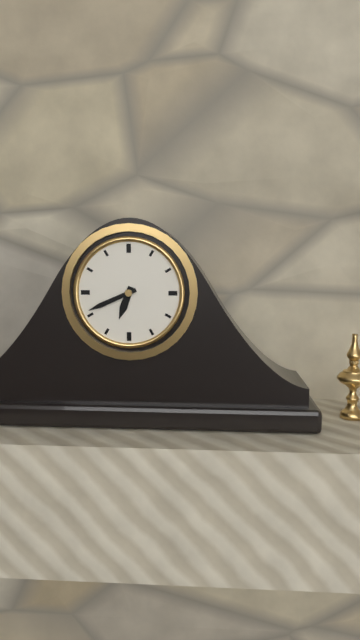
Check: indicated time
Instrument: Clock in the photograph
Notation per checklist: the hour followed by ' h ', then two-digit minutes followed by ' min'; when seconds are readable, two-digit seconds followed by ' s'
6 h 41 min
